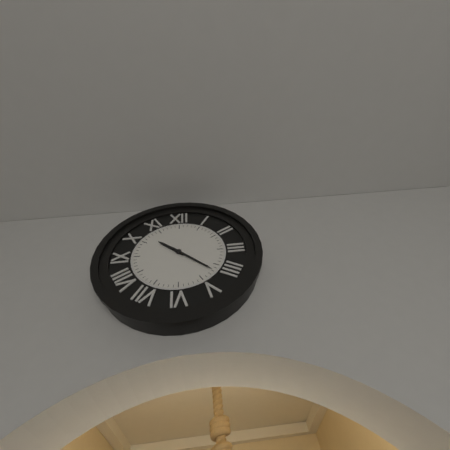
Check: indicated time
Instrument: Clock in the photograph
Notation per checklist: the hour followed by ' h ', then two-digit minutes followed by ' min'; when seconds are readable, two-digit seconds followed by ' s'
10 h 22 min
